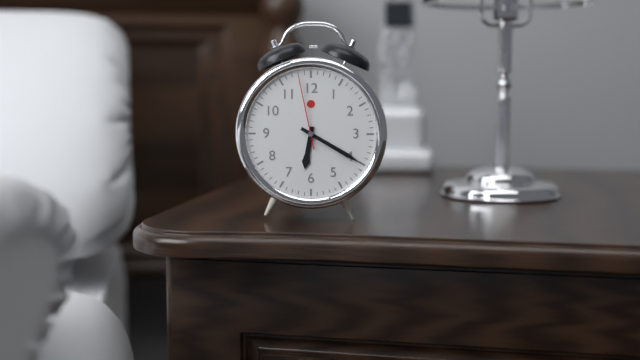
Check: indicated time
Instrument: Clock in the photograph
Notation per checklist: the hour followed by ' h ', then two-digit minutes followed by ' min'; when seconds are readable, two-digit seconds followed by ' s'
6 h 20 min 58 s
